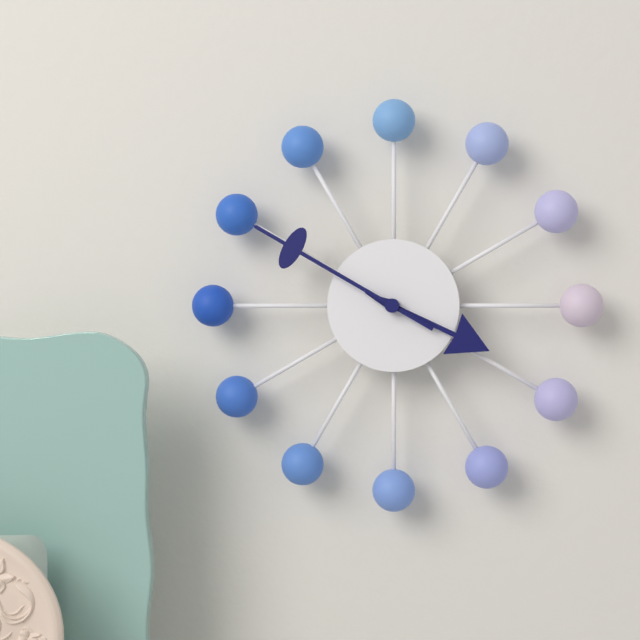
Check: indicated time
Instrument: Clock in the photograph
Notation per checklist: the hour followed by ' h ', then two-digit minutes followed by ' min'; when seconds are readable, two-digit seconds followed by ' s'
3 h 50 min
